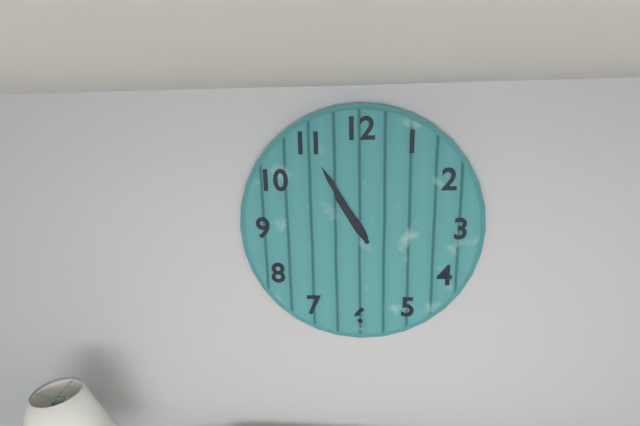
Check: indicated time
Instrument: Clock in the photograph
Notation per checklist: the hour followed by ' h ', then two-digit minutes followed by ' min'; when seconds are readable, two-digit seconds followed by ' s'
10 h 55 min
